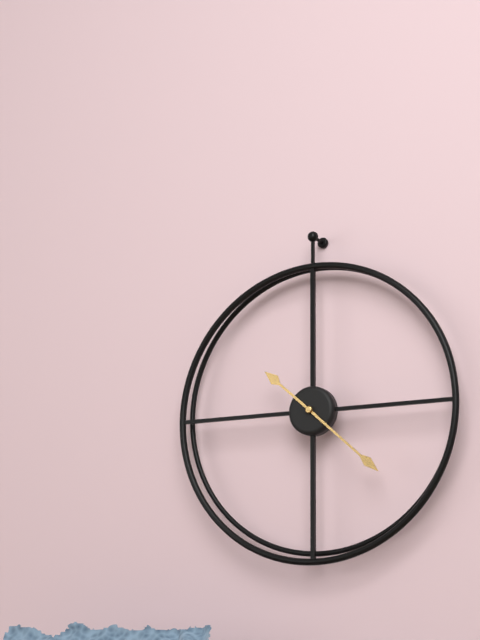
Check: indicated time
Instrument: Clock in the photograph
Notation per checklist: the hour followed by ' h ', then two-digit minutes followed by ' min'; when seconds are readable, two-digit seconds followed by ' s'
10 h 22 min
